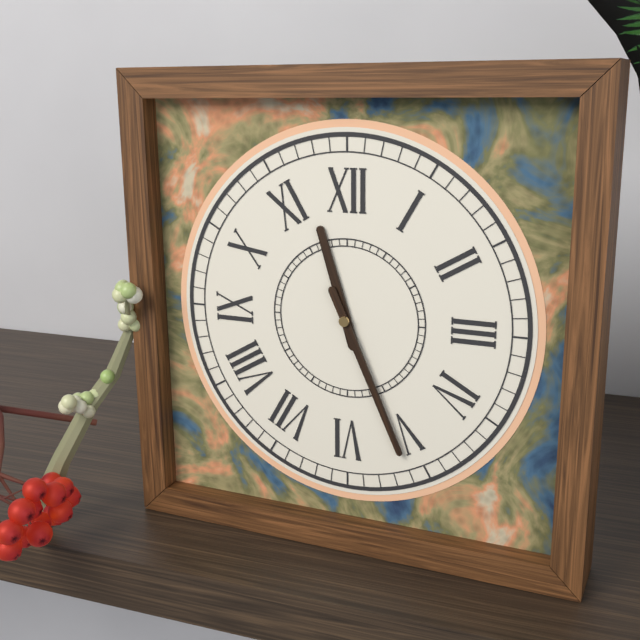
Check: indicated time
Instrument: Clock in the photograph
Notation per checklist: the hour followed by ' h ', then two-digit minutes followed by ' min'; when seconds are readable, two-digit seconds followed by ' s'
11 h 26 min
